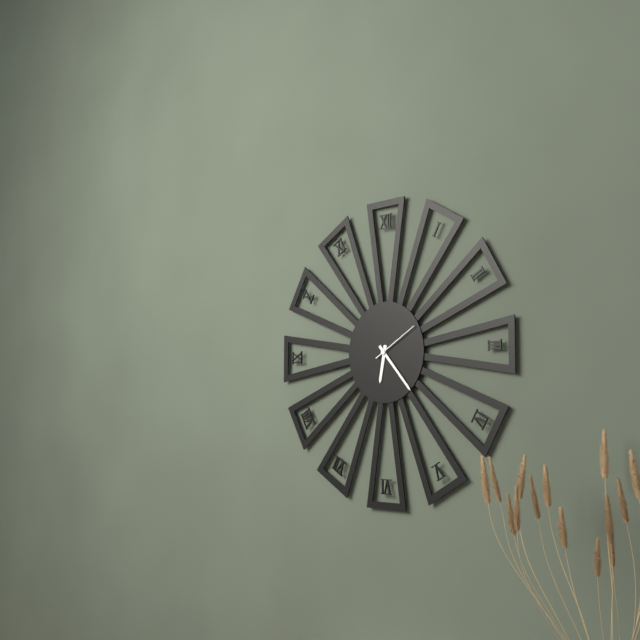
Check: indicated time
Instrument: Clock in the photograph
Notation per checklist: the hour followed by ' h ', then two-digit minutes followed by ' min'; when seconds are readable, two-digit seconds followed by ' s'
6 h 23 min
